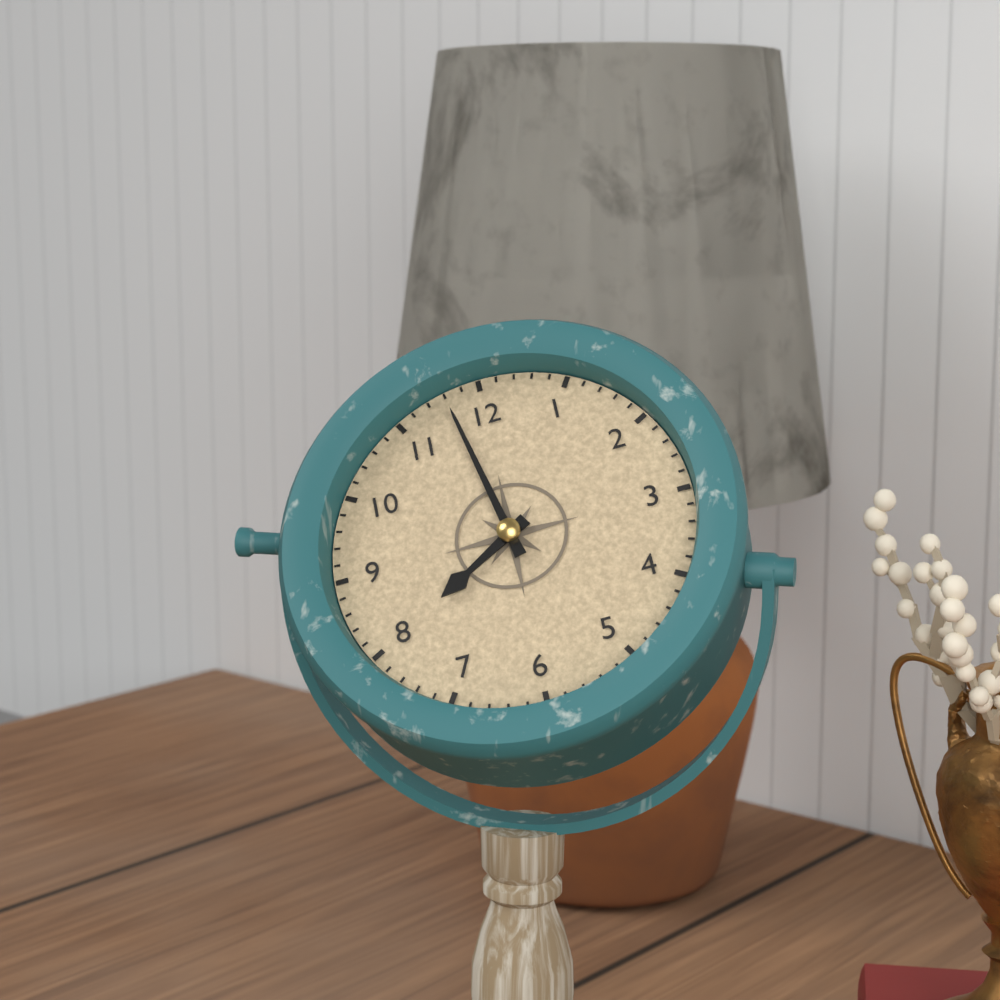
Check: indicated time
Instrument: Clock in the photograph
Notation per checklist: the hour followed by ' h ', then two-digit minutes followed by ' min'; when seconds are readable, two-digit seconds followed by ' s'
7 h 58 min
